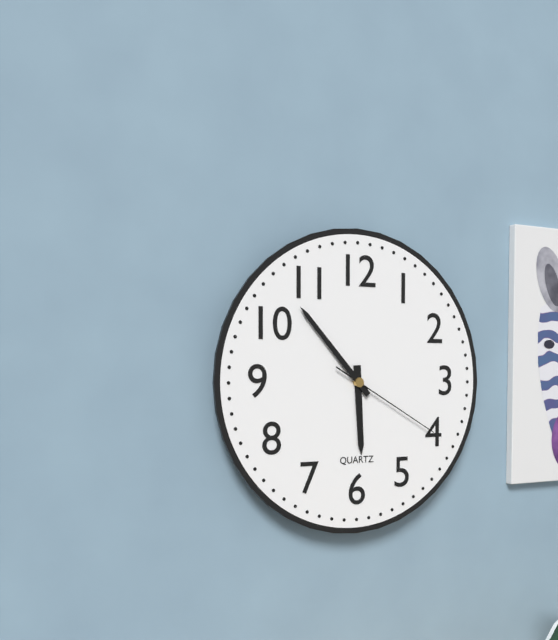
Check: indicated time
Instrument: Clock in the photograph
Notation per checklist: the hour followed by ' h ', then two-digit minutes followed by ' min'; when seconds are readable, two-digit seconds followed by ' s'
5 h 53 min 20 s
